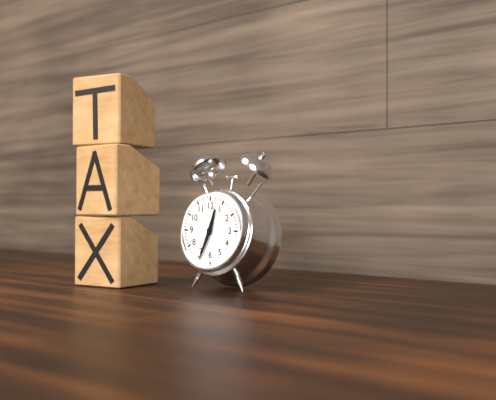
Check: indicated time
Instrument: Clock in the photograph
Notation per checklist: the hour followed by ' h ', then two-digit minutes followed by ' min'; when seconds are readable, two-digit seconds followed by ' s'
12 h 34 min
